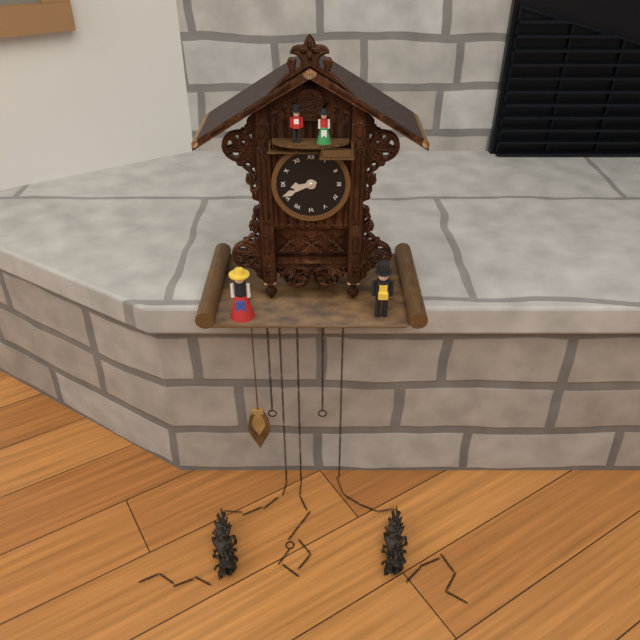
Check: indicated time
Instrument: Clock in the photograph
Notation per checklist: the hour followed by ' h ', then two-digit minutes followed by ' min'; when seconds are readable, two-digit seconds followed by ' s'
8 h 41 min
